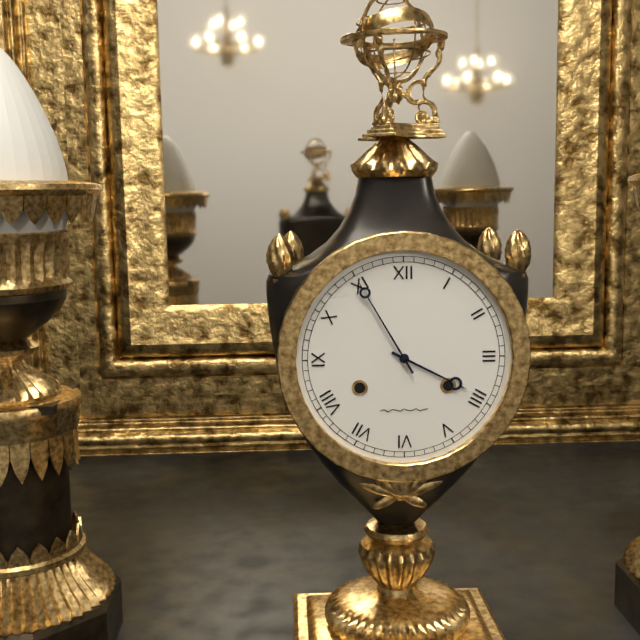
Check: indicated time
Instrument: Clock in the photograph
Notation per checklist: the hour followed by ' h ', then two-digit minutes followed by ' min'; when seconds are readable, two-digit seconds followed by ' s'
3 h 55 min
